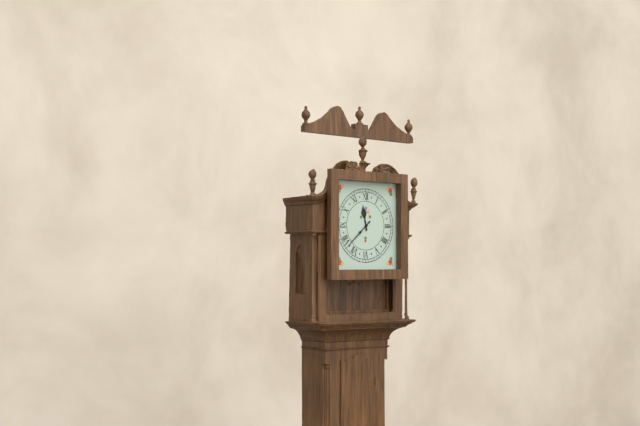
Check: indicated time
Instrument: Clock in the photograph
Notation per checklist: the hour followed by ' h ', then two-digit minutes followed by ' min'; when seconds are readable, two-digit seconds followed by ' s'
11 h 38 min
